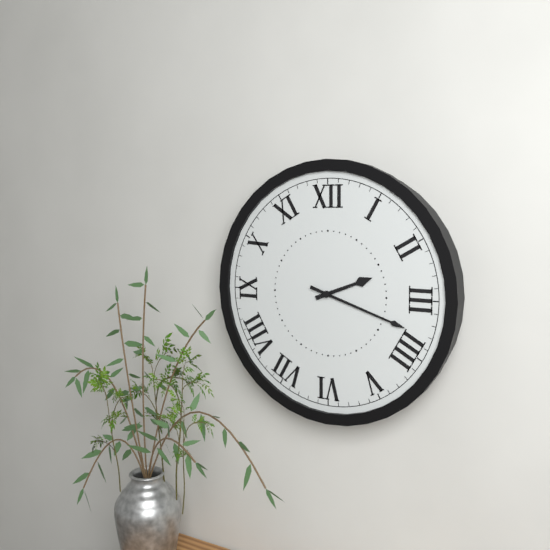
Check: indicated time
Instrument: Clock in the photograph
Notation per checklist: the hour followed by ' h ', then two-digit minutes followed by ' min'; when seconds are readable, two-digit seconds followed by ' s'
2 h 18 min
